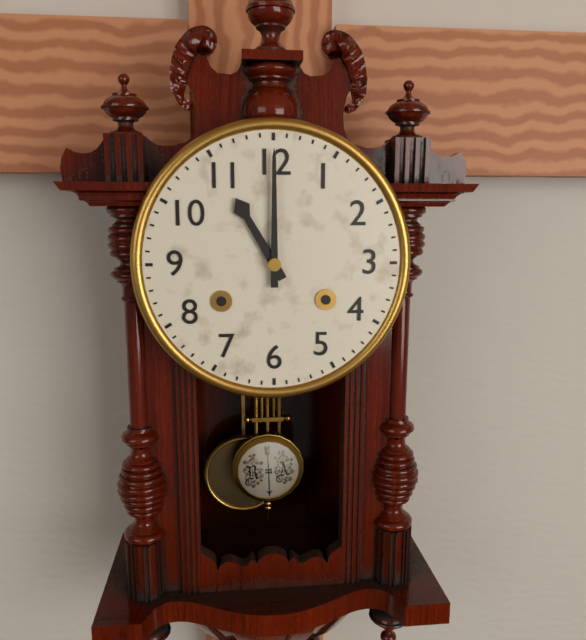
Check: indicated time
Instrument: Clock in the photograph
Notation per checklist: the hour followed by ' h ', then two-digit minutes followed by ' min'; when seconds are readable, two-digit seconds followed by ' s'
11 h 00 min
